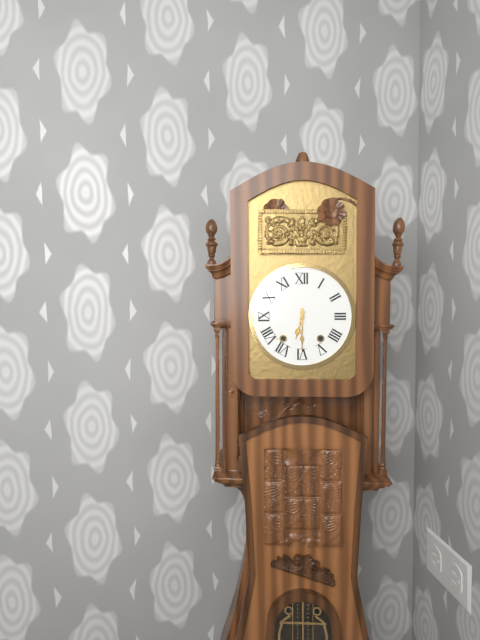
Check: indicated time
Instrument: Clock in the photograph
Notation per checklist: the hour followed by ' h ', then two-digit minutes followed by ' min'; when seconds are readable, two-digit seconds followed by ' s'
6 h 30 min
